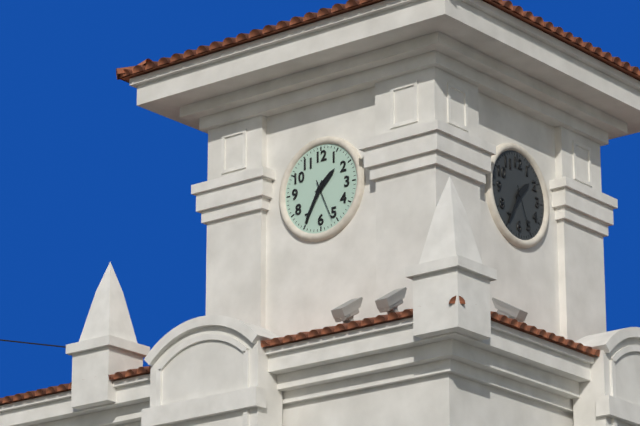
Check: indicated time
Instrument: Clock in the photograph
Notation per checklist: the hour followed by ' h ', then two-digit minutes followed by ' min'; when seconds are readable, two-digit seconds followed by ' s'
1 h 35 min
